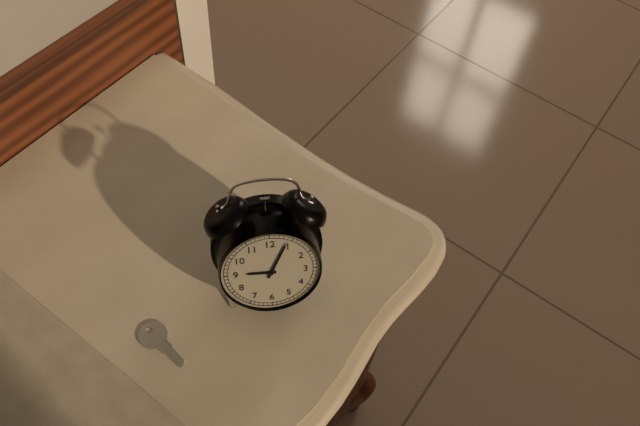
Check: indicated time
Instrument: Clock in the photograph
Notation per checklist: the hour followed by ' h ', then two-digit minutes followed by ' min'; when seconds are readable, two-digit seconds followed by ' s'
9 h 04 min
